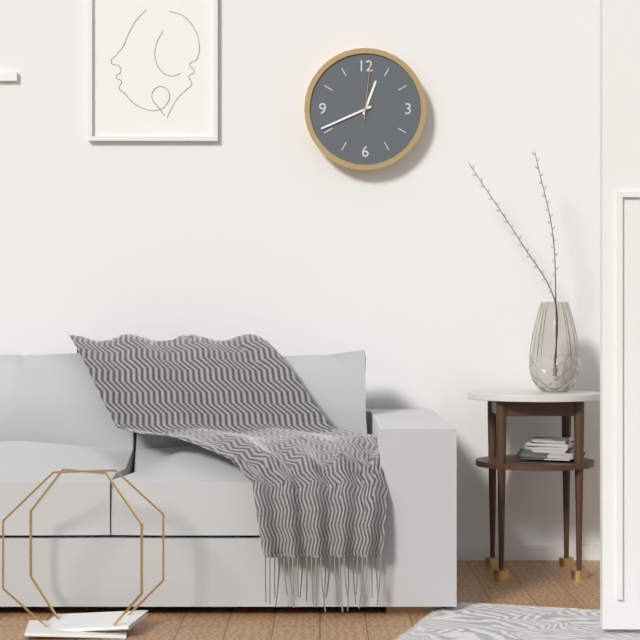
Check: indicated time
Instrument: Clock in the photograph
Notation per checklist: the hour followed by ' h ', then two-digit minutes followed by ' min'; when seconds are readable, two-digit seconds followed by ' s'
12 h 41 min 01 s
